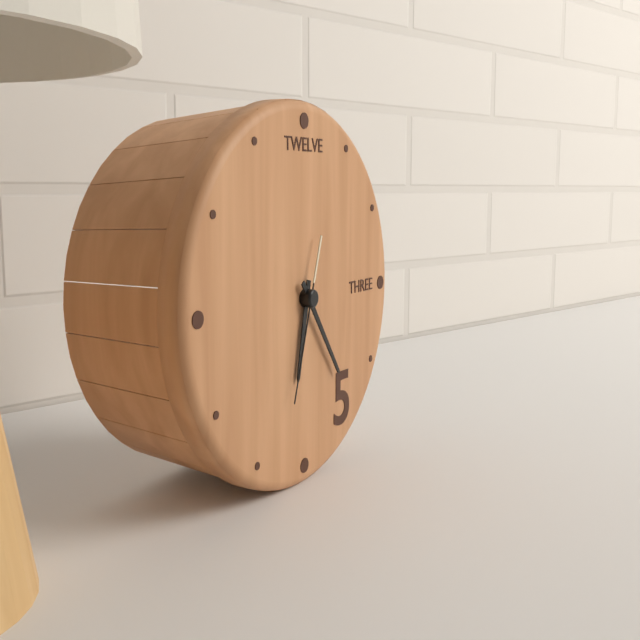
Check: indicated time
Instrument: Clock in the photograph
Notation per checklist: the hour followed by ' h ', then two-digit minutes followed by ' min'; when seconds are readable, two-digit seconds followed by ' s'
6 h 24 min 33 s
